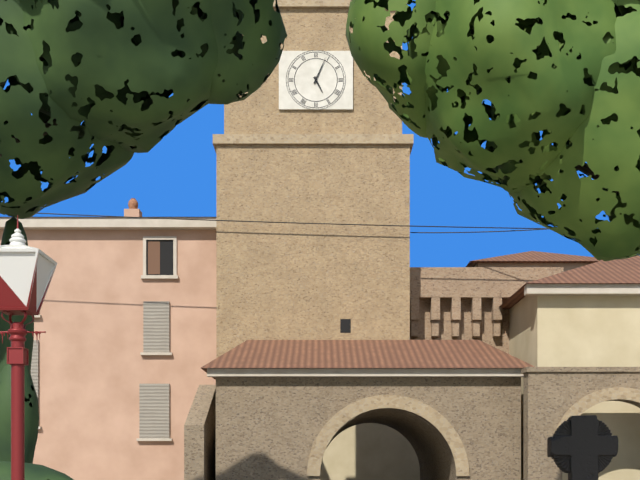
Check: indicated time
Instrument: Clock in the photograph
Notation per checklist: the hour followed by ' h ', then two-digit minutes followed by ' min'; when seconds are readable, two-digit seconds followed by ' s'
5 h 04 min
